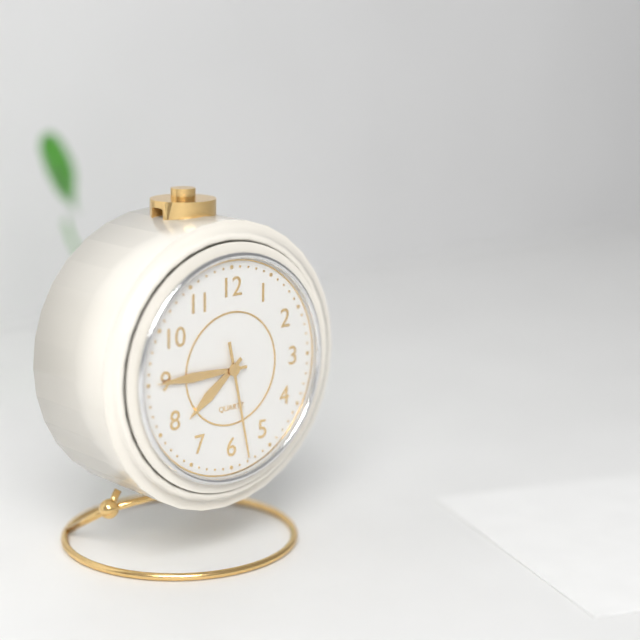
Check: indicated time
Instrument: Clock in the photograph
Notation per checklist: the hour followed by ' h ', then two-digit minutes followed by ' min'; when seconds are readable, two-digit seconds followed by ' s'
7 h 45 min 28 s
